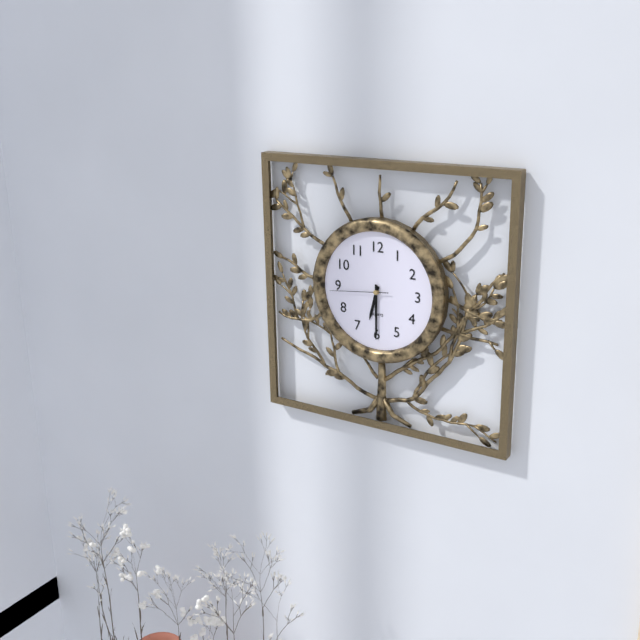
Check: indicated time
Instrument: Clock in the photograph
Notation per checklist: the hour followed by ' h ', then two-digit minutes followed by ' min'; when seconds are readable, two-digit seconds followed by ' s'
6 h 30 min 44 s
